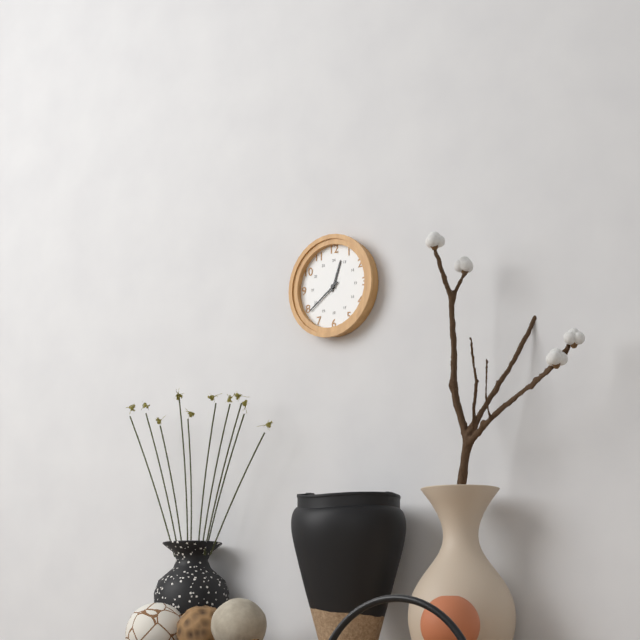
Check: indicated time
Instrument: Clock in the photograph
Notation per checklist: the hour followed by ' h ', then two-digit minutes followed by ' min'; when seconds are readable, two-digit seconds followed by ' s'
12 h 39 min
